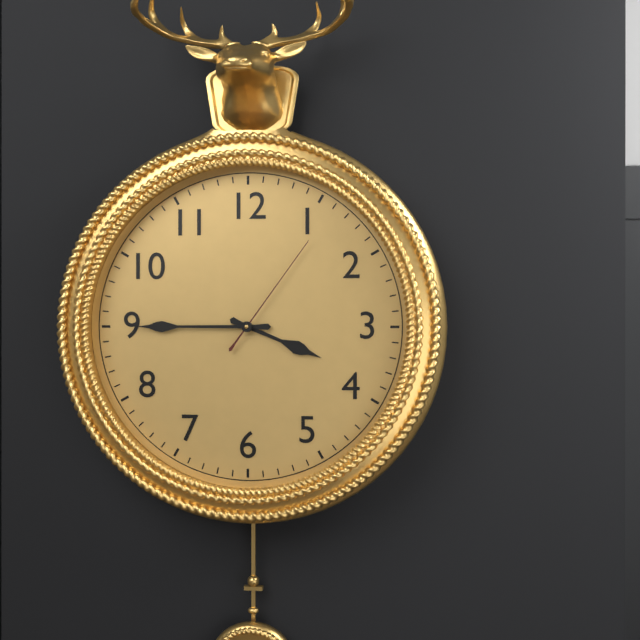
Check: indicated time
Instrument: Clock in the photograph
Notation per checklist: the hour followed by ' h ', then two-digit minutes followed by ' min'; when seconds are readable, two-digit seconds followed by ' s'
3 h 45 min 06 s
